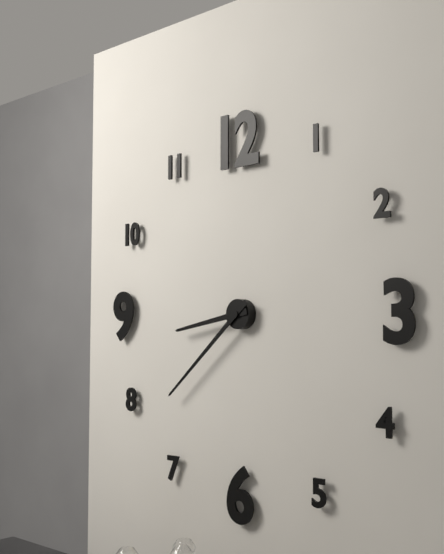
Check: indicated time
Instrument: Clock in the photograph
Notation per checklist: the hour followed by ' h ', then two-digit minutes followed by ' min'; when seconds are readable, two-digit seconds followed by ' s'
8 h 38 min
